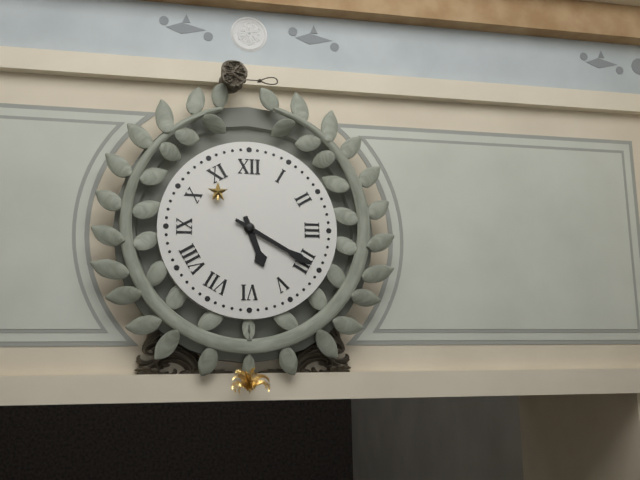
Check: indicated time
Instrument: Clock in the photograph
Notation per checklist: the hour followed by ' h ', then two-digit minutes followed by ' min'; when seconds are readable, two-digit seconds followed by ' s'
5 h 20 min
